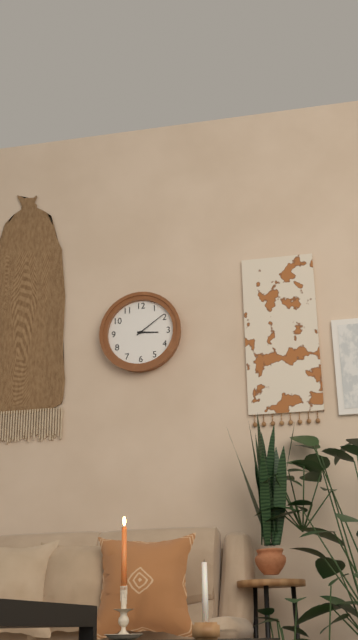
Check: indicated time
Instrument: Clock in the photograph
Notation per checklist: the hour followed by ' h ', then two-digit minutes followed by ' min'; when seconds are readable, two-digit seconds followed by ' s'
3 h 09 min
